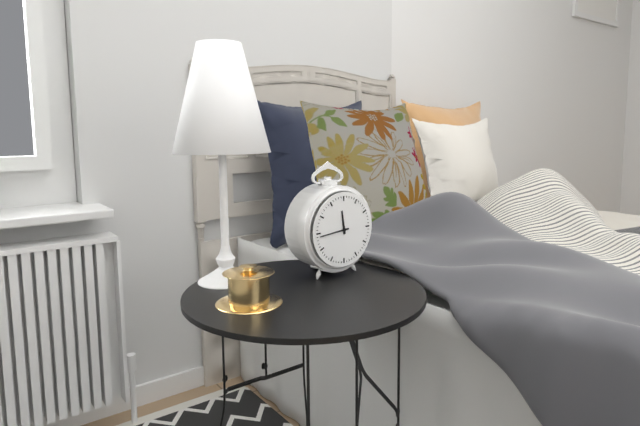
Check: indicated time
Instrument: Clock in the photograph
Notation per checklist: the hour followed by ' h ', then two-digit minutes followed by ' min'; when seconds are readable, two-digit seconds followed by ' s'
11 h 44 min
